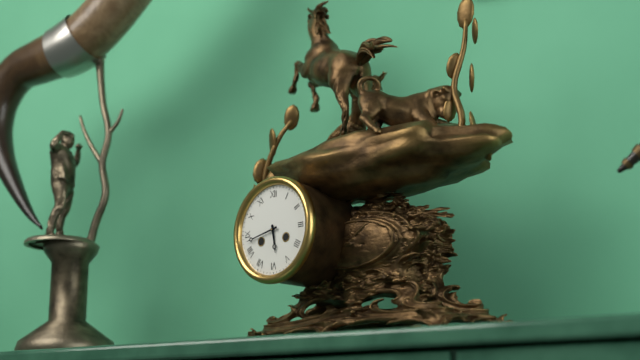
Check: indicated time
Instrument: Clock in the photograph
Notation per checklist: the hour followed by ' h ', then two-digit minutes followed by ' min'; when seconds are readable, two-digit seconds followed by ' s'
5 h 43 min
